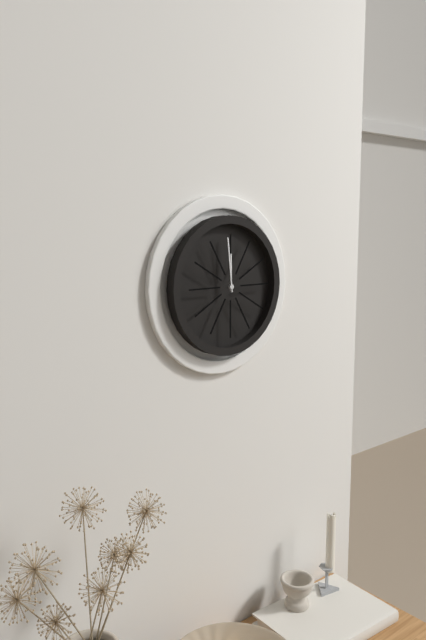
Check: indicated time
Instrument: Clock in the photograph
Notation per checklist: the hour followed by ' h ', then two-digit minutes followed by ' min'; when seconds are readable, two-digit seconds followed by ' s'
11 h 59 min
